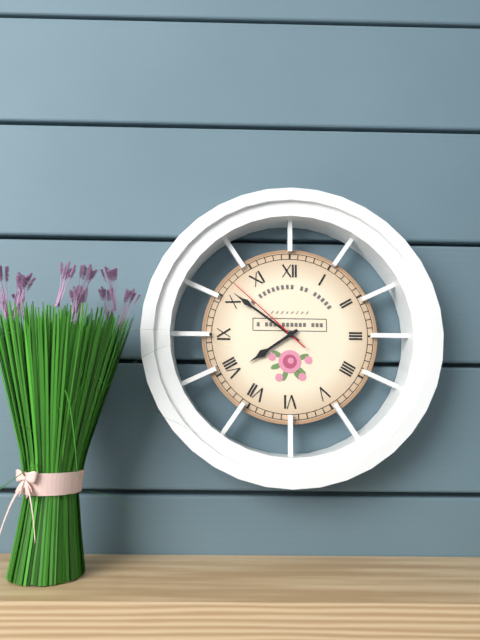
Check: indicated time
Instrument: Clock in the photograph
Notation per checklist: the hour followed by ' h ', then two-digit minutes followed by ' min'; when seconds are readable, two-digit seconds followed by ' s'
7 h 51 min 52 s
